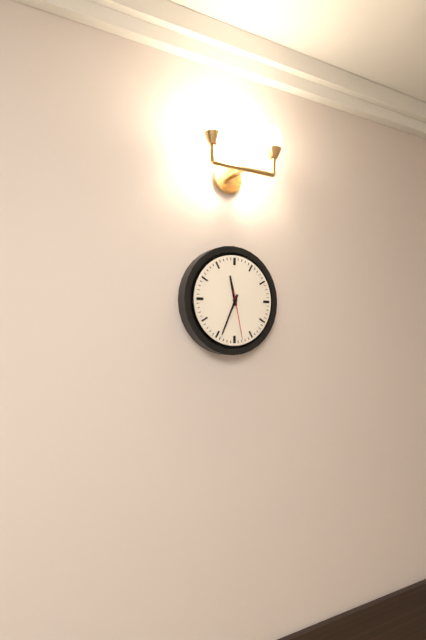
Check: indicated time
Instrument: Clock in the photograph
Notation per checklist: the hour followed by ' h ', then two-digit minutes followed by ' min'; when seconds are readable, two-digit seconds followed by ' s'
11 h 34 min 28 s
